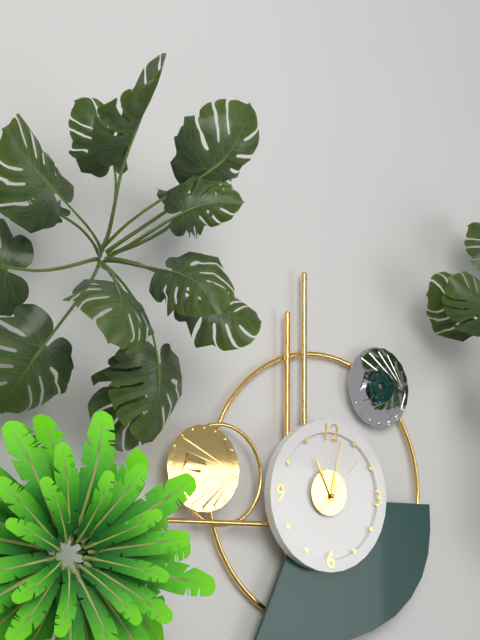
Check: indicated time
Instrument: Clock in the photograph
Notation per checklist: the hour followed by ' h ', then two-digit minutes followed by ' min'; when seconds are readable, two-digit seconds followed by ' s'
11 h 02 min 07 s
